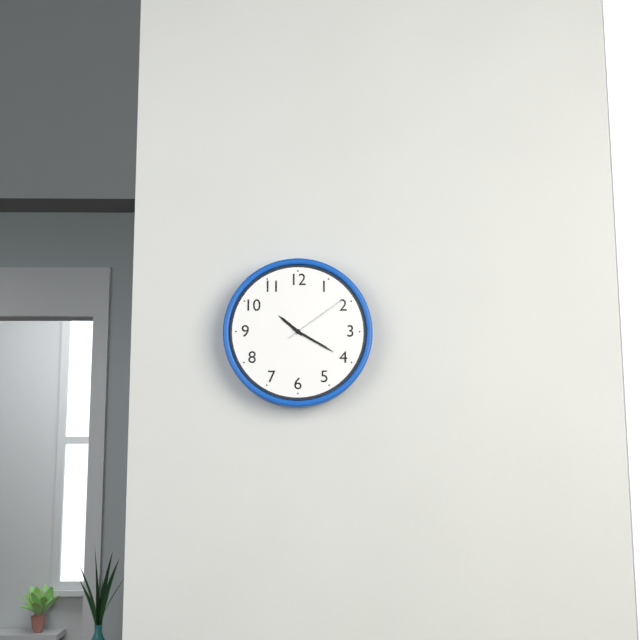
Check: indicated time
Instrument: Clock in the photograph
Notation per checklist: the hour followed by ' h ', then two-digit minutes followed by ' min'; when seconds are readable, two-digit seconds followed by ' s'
10 h 20 min 09 s
